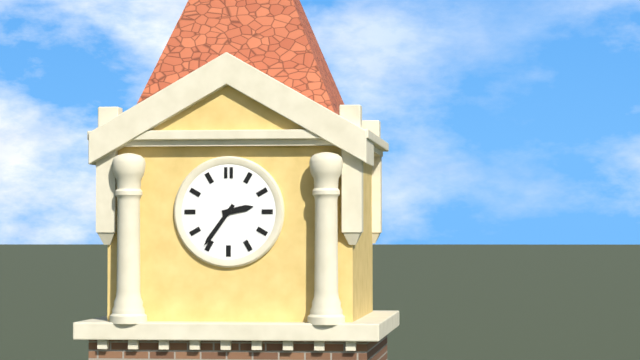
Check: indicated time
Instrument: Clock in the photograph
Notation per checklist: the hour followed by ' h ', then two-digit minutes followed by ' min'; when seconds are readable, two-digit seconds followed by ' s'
2 h 36 min
